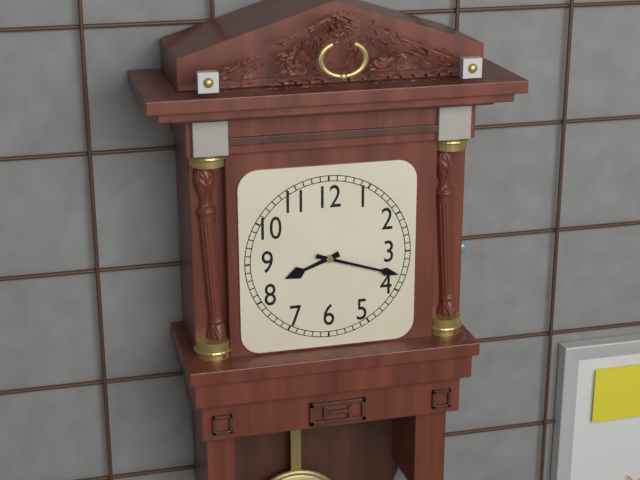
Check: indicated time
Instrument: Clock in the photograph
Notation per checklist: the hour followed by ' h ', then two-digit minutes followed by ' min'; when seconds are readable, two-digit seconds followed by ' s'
8 h 18 min
